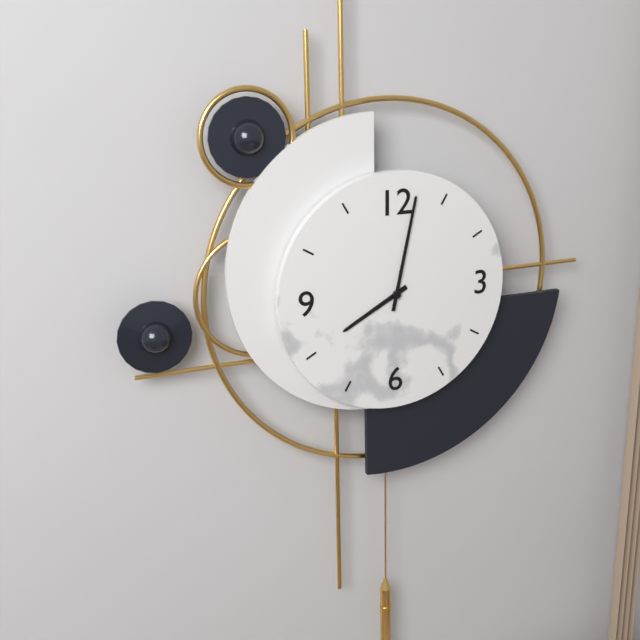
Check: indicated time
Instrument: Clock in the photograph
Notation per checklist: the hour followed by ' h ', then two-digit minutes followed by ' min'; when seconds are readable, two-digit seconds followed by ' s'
8 h 02 min
